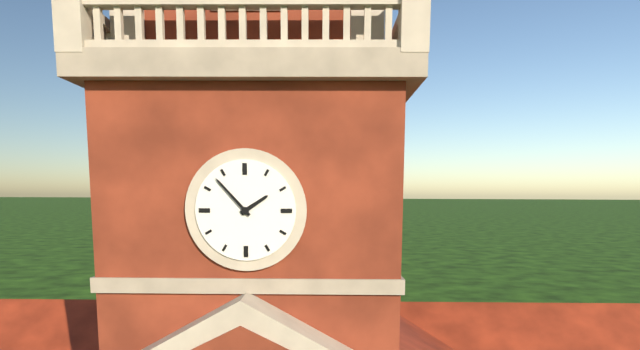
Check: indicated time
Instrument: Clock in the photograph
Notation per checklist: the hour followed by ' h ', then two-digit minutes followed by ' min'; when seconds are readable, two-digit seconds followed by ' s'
1 h 53 min
